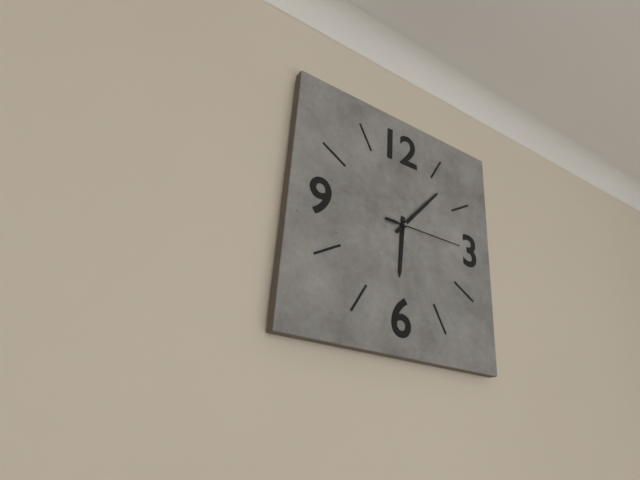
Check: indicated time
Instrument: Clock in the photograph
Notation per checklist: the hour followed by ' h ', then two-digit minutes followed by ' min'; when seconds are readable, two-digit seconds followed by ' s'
6 h 07 min 15 s
